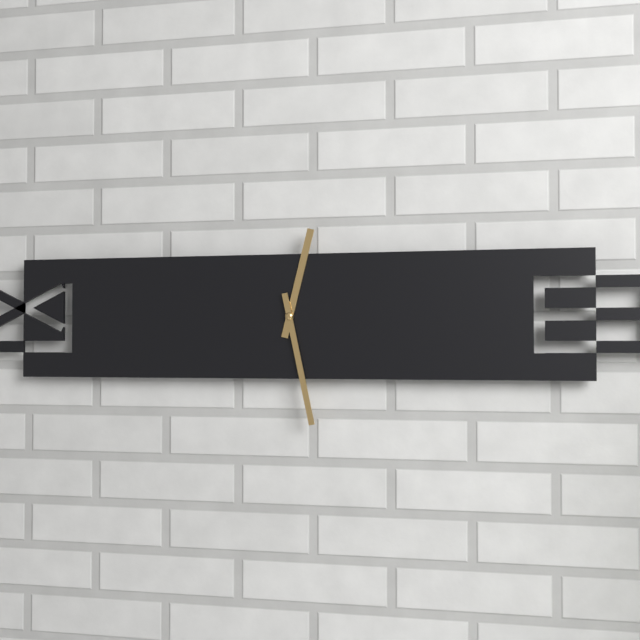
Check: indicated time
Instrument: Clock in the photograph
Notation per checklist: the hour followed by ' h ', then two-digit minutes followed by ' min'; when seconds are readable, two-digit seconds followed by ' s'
12 h 28 min
